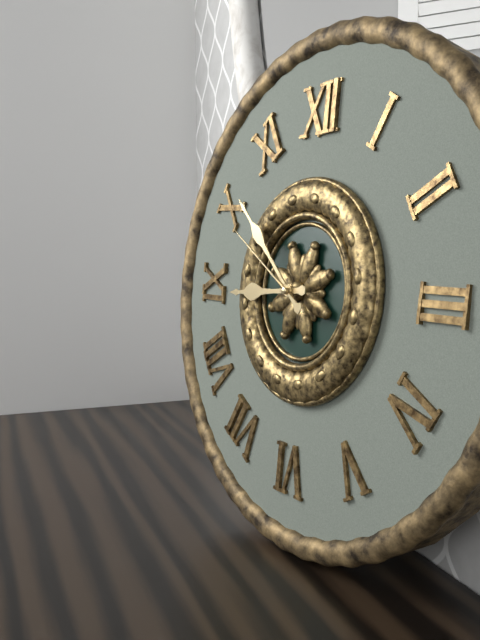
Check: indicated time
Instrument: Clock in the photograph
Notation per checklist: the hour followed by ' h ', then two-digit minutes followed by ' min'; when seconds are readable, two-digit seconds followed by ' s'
8 h 52 min 50 s
